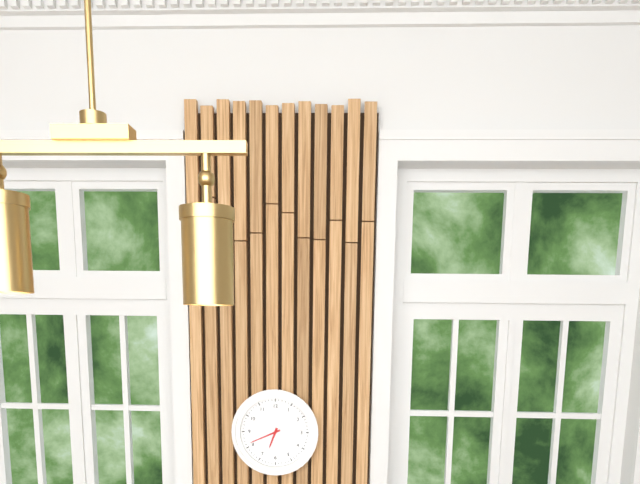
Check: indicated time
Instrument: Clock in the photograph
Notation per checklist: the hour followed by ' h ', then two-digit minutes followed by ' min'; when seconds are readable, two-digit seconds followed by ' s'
6 h 41 min
